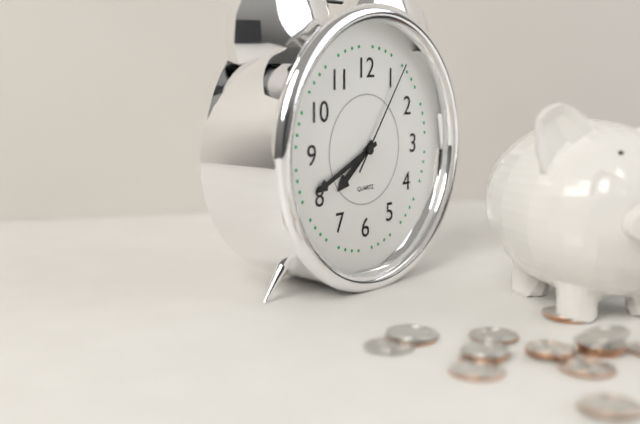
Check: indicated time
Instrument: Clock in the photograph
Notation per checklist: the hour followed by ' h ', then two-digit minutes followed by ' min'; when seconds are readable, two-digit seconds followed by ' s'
7 h 41 min 06 s
